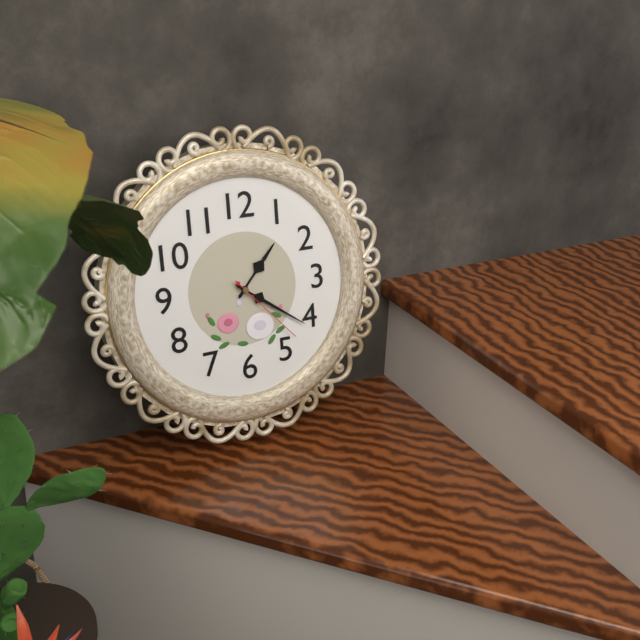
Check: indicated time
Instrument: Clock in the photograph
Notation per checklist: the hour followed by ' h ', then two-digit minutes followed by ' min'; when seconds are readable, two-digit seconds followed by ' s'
1 h 21 min 23 s
